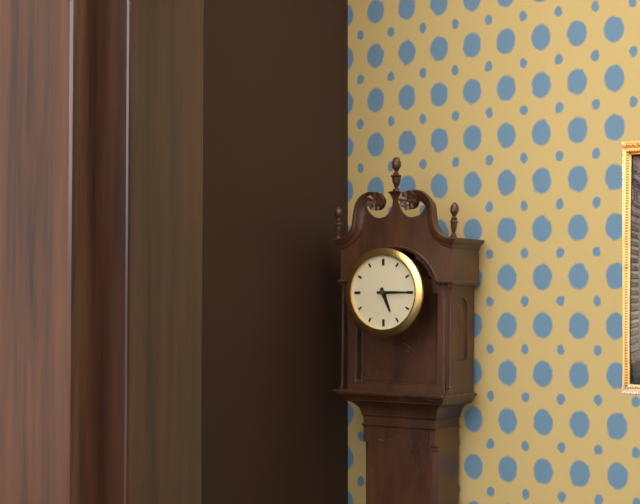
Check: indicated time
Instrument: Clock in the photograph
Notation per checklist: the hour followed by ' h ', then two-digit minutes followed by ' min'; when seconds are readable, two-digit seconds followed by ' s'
5 h 15 min
